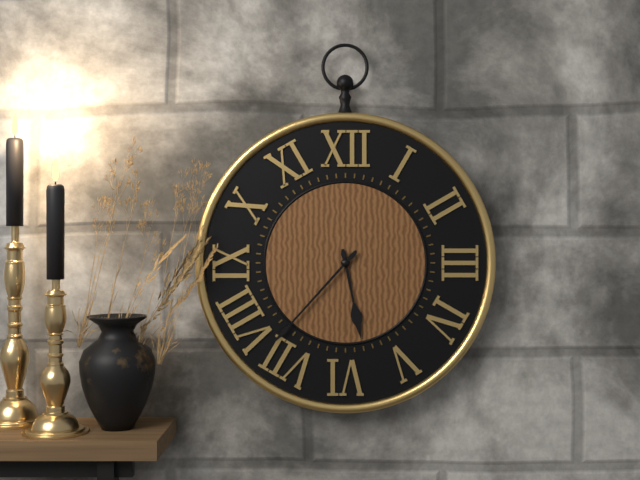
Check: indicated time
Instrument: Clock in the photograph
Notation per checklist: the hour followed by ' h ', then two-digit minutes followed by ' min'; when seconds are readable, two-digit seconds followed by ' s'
5 h 37 min
